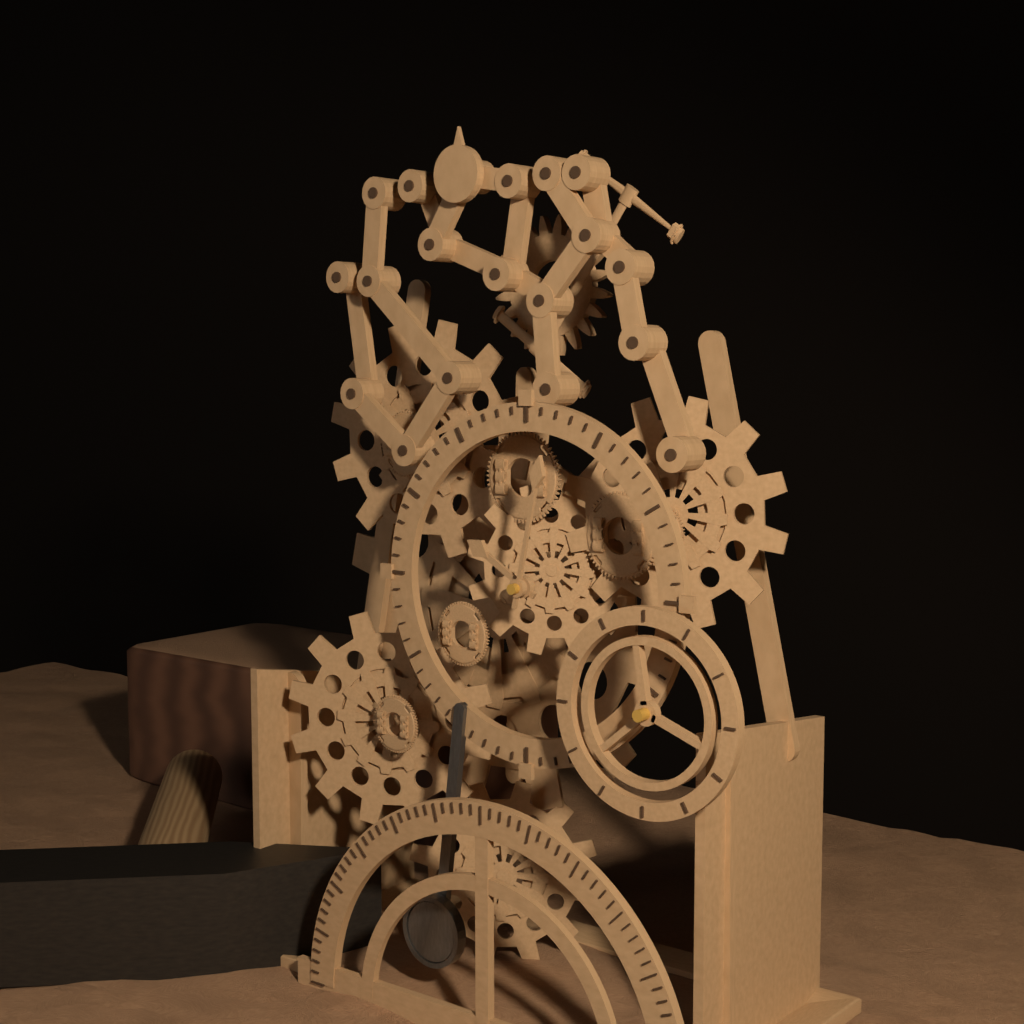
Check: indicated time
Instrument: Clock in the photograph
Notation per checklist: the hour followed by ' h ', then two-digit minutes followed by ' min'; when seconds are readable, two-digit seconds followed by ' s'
10 h 02 min
